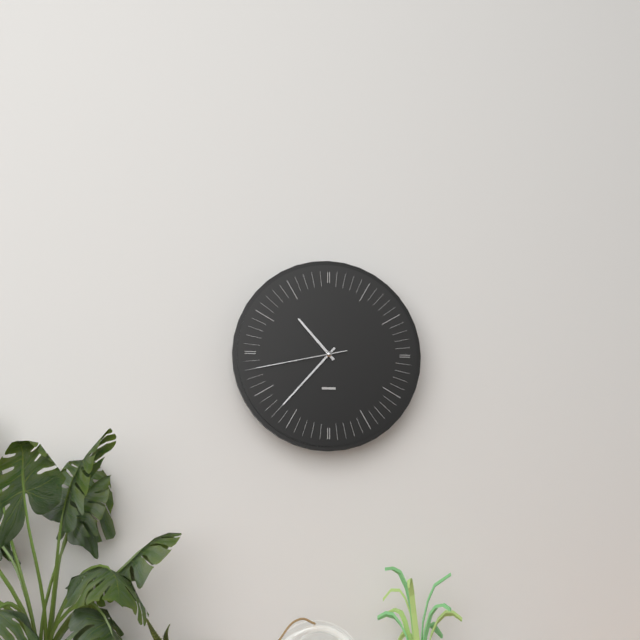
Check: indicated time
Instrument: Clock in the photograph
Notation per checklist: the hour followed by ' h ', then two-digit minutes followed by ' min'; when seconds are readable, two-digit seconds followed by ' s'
10 h 37 min 43 s
